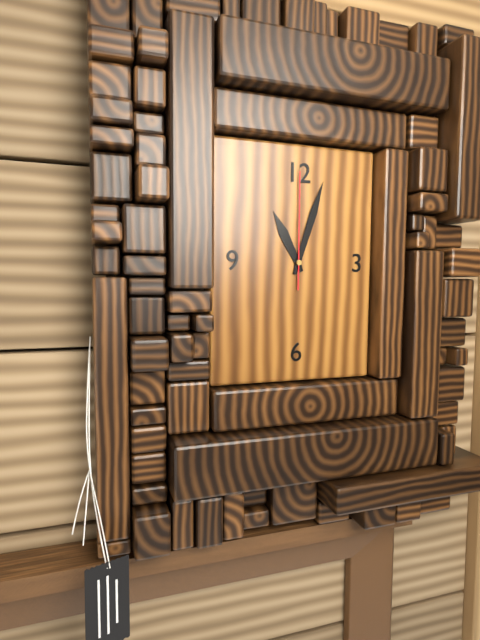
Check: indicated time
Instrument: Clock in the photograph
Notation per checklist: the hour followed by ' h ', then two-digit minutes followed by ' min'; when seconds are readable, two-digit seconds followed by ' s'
11 h 03 min 00 s
